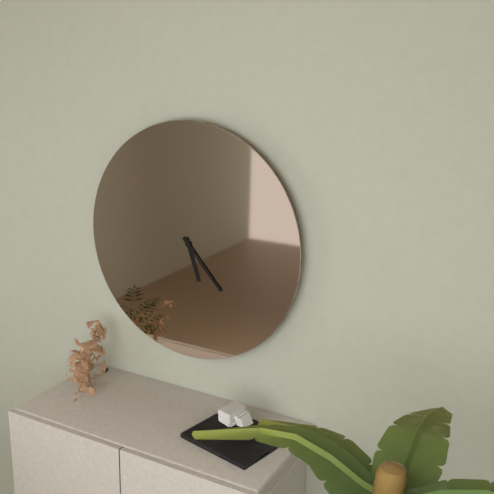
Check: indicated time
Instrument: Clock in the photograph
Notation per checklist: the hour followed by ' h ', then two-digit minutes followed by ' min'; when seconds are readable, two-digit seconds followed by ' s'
5 h 23 min
